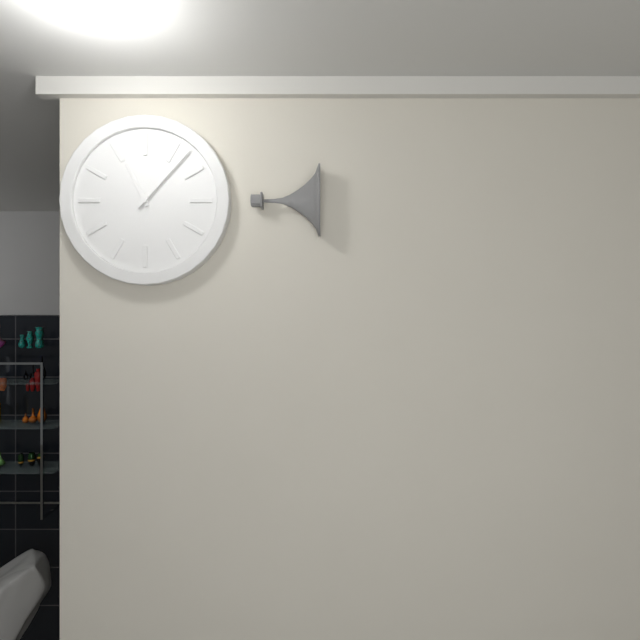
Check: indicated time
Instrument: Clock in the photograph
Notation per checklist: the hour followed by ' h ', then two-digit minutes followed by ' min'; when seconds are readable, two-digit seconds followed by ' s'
11 h 07 min
